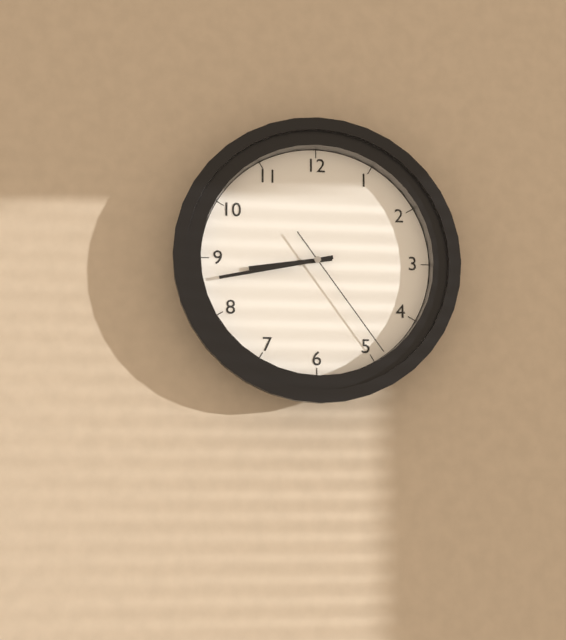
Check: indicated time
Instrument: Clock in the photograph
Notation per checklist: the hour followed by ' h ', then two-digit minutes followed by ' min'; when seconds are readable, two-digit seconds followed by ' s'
8 h 43 min 24 s
